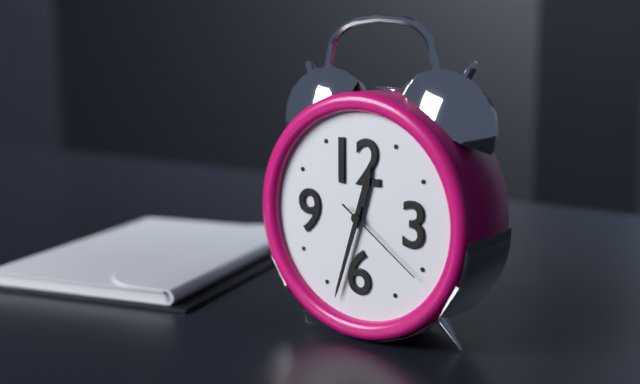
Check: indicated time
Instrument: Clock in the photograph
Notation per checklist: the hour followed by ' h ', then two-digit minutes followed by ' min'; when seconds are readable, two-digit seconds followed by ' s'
12 h 33 min 21 s
